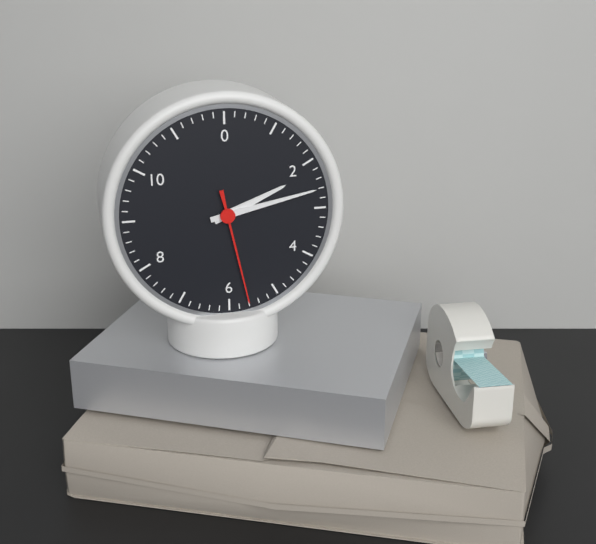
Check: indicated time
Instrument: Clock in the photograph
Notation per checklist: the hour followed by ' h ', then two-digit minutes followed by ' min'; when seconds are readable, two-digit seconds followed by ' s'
2 h 13 min 28 s
